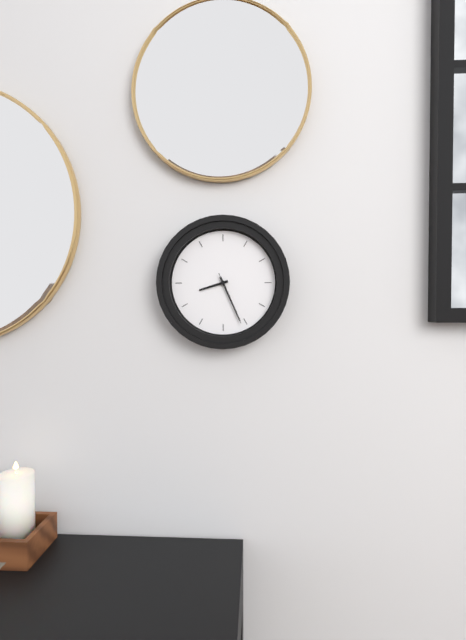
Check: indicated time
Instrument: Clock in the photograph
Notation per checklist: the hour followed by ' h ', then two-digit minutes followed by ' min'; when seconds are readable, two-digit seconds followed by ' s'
8 h 26 min 26 s
